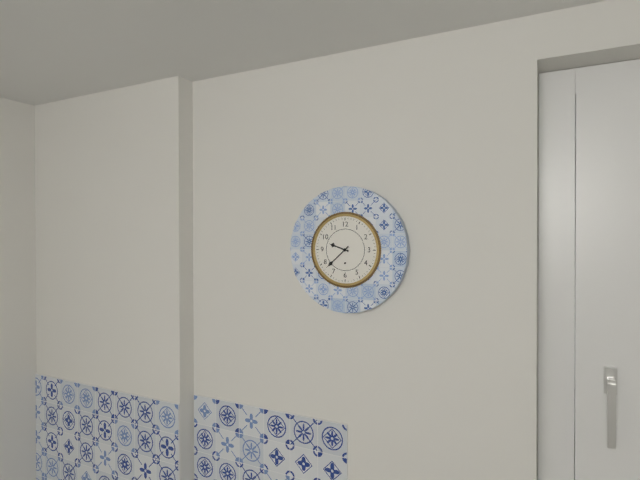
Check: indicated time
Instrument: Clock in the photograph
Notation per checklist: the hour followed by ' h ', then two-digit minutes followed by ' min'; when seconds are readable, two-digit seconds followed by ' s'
9 h 38 min
